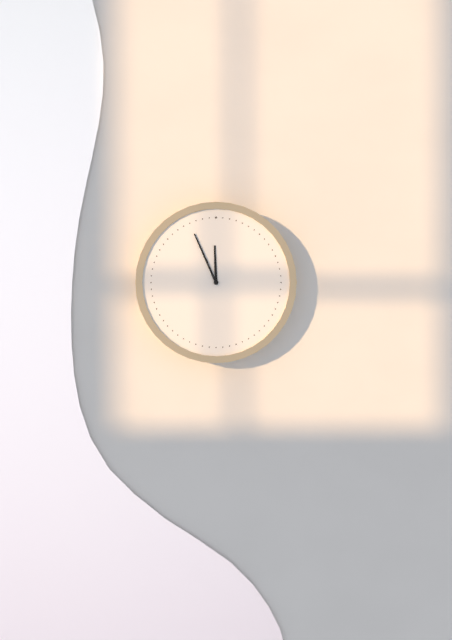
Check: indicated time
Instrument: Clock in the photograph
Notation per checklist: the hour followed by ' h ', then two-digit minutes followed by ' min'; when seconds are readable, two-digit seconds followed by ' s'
11 h 56 min
